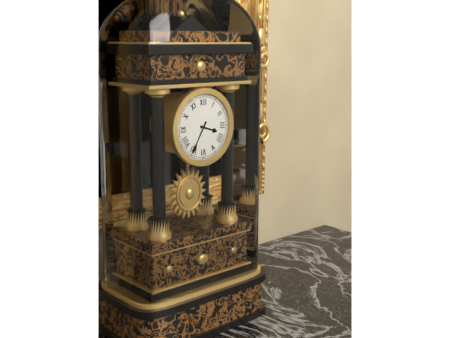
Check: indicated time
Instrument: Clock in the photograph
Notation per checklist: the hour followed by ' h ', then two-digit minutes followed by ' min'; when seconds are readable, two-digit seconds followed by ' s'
3 h 35 min
